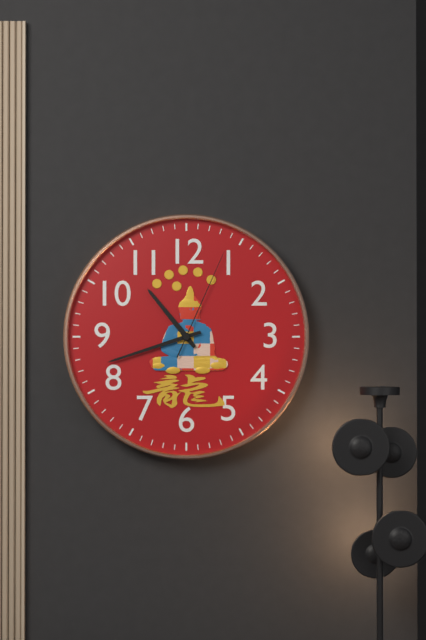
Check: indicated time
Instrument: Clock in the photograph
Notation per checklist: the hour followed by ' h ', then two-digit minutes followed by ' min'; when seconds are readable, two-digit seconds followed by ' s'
10 h 42 min 04 s
